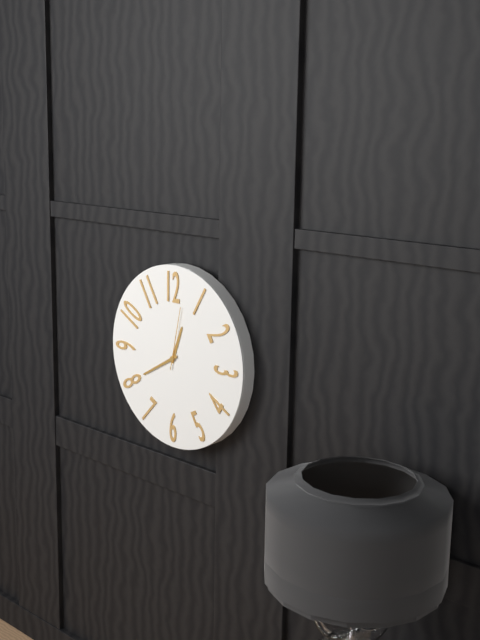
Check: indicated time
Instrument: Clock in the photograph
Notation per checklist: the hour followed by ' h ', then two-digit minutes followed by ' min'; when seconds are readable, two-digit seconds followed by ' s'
12 h 40 min 02 s
